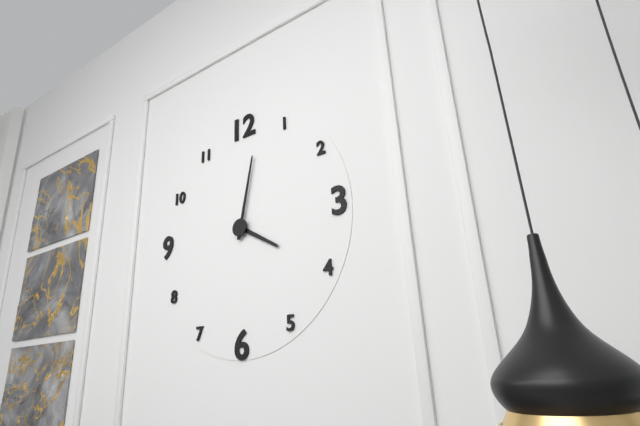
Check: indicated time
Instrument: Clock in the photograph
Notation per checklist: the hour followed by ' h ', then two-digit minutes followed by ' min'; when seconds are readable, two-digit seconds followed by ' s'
4 h 02 min
